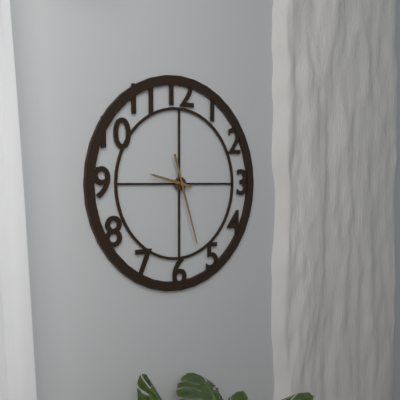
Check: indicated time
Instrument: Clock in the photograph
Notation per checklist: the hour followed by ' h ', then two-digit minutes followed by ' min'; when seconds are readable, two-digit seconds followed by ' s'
9 h 27 min
